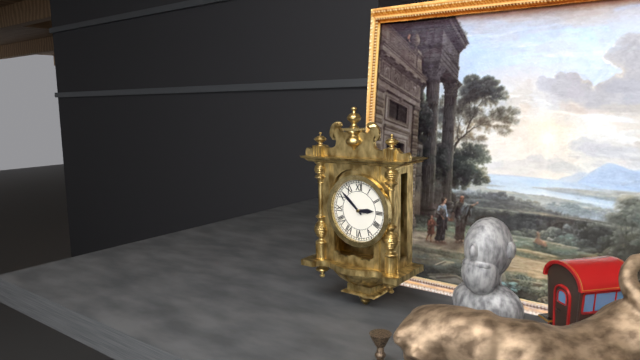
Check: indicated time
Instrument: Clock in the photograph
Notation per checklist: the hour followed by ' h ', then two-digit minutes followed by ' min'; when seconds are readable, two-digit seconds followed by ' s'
2 h 52 min
